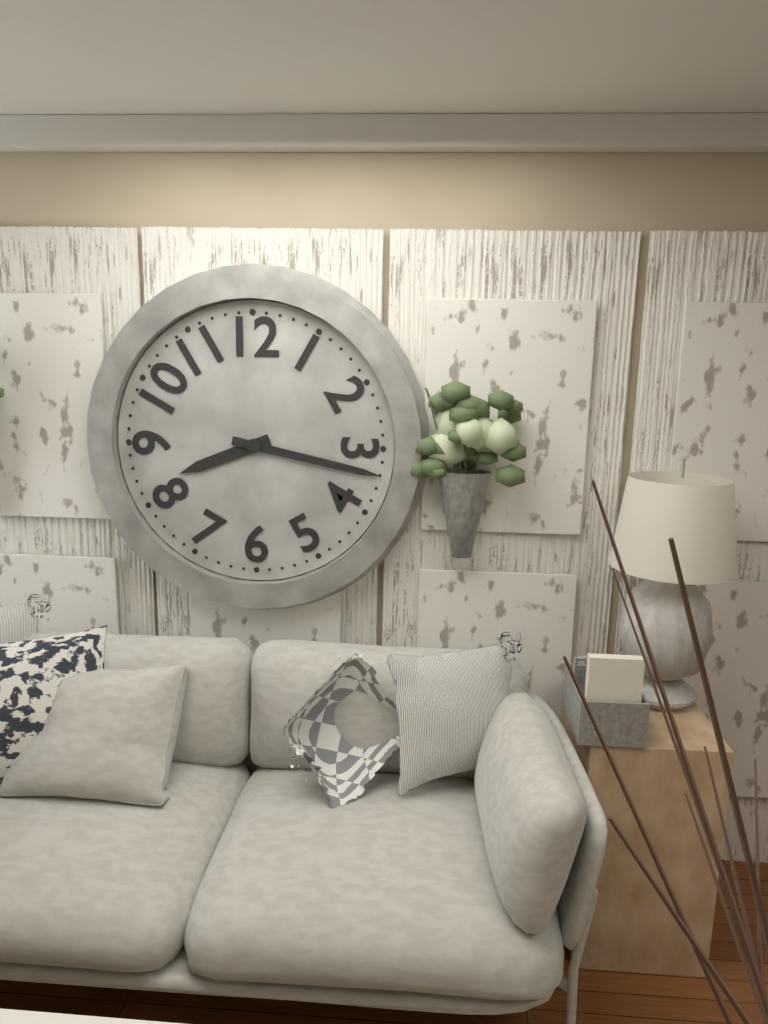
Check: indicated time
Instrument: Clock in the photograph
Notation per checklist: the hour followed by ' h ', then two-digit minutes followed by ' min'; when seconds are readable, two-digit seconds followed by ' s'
8 h 17 min
